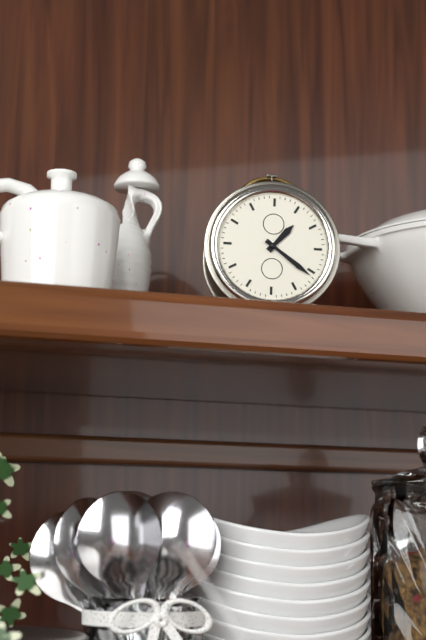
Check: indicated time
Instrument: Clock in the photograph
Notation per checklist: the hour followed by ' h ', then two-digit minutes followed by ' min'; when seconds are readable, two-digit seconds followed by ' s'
1 h 21 min
